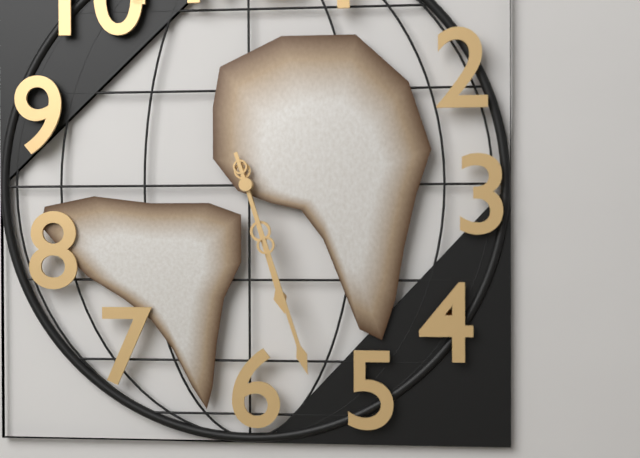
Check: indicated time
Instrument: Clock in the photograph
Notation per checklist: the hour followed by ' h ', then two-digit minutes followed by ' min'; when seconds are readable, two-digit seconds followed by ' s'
5 h 27 min
